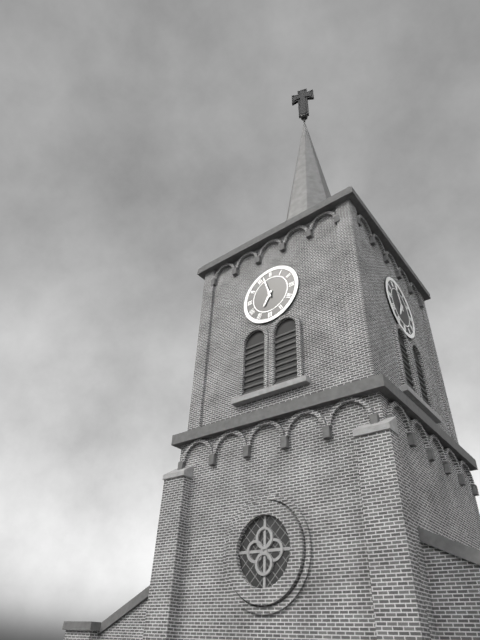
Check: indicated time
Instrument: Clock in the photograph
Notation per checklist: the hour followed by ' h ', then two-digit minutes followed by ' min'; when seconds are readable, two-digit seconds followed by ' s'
6 h 57 min
